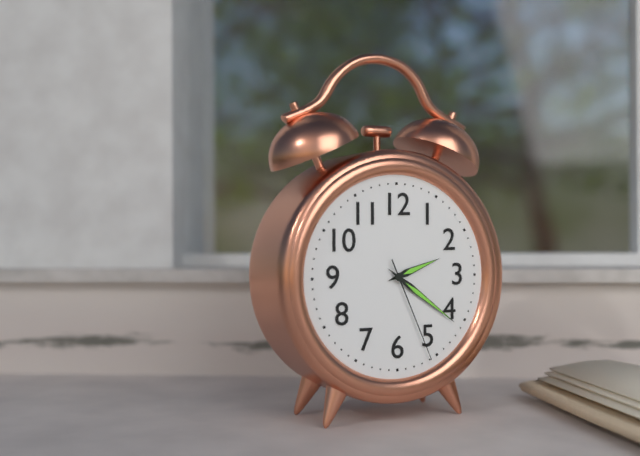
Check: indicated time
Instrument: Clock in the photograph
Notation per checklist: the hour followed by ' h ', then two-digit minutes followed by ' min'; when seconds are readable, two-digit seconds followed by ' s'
2 h 21 min 26 s
